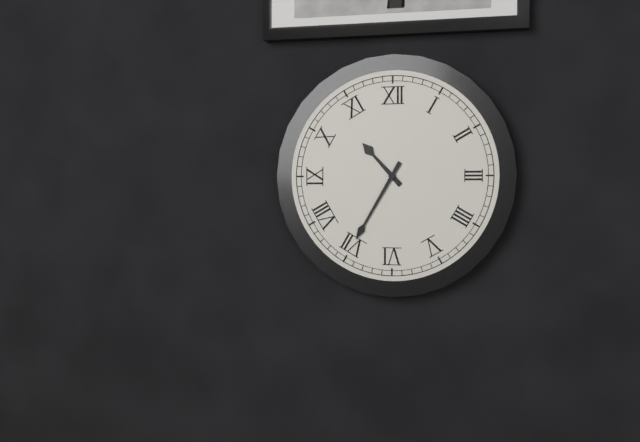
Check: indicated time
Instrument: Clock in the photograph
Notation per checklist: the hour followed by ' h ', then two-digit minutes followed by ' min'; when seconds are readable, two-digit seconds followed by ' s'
10 h 35 min
